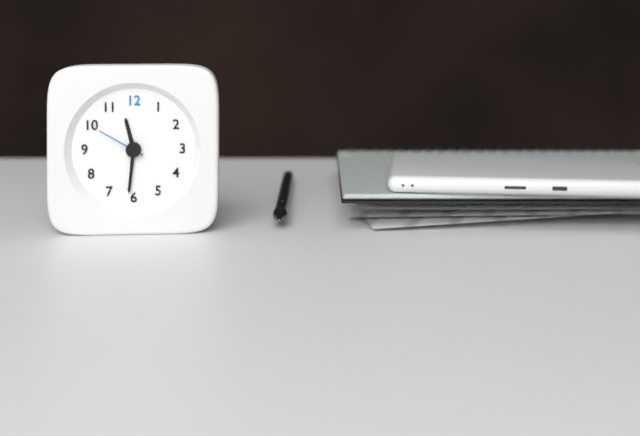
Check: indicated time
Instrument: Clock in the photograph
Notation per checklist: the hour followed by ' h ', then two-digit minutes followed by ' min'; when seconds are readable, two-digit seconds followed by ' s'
11 h 31 min 50 s
